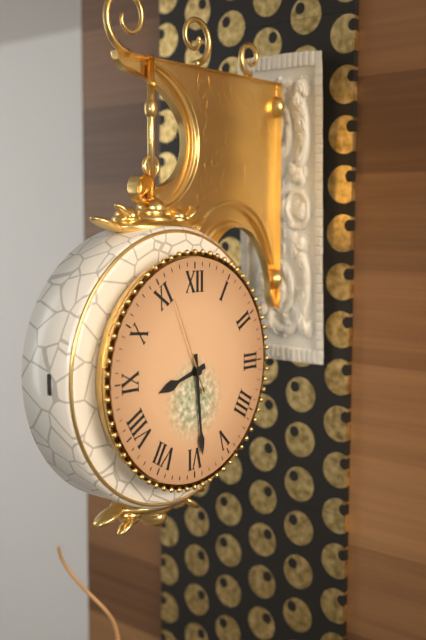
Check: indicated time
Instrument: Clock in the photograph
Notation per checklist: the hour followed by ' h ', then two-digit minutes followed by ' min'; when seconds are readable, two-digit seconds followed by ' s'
8 h 29 min 56 s
